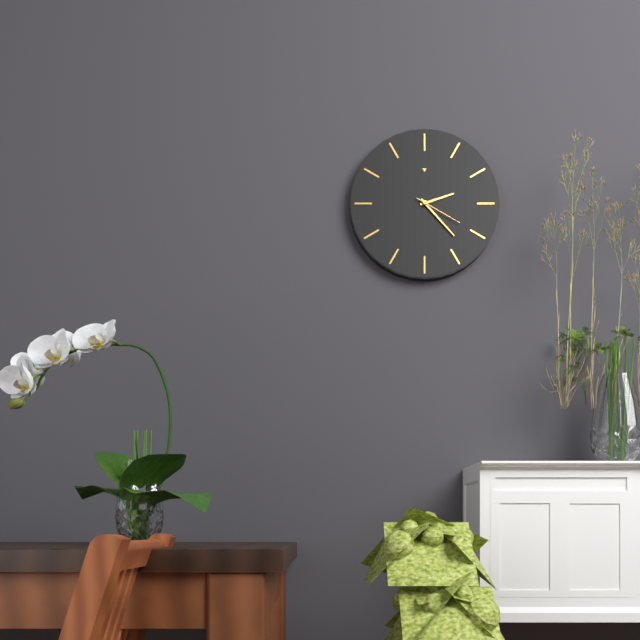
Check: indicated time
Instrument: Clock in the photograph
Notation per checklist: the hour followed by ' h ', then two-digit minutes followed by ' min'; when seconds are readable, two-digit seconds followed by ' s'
2 h 23 min 20 s
